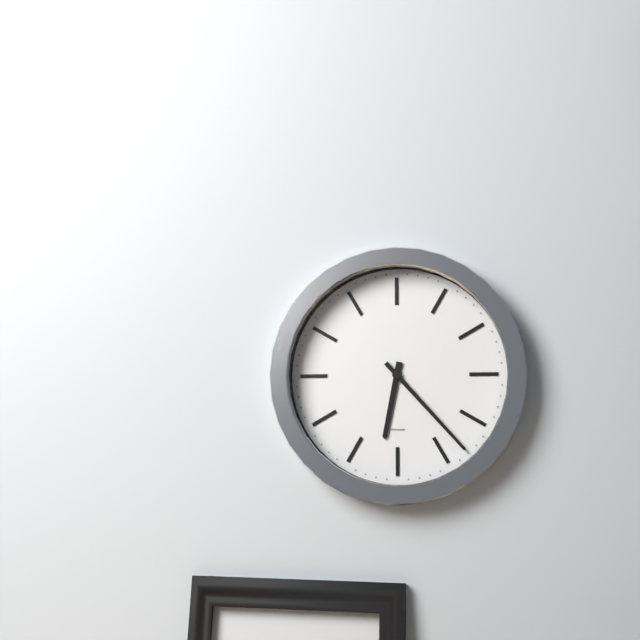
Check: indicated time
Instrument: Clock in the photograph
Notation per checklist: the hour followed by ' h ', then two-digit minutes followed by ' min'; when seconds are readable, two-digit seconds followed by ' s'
6 h 23 min
